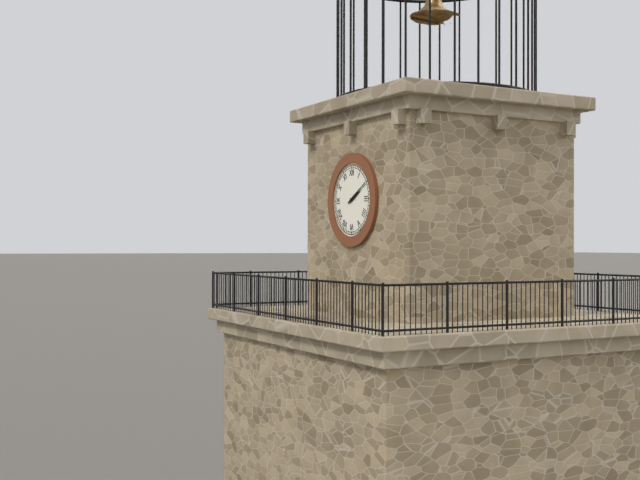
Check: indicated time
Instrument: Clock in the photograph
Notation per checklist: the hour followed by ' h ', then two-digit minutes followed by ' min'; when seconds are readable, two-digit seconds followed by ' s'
2 h 10 min
